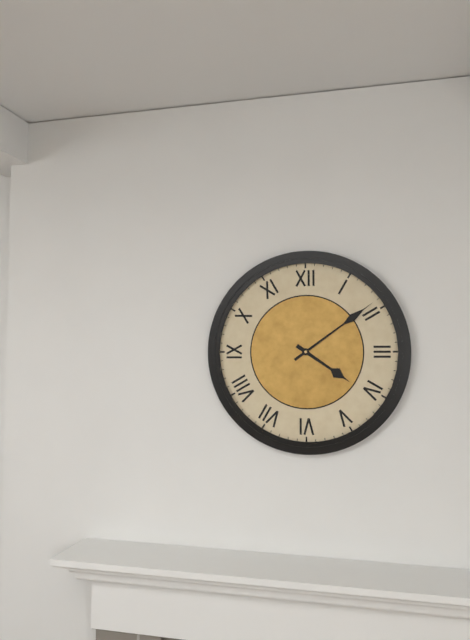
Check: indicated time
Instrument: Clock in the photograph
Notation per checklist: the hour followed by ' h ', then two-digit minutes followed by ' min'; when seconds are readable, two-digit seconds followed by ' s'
4 h 09 min
